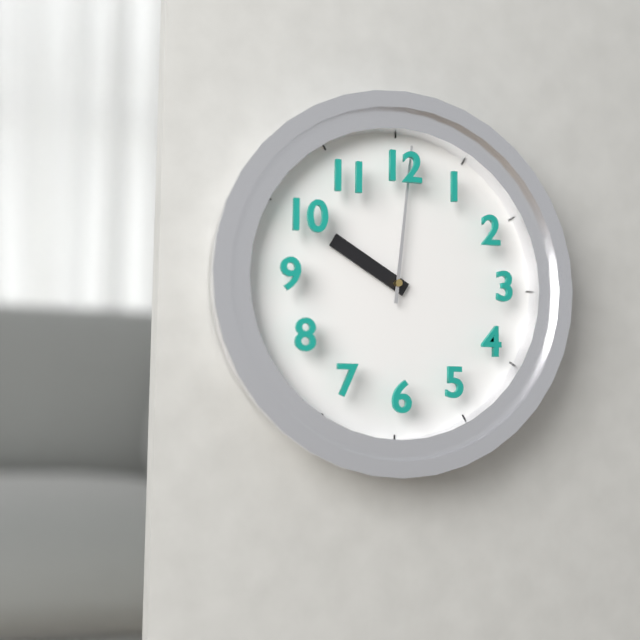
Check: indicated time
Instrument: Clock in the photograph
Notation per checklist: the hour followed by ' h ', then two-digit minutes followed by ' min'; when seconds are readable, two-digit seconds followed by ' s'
10 h 01 min
